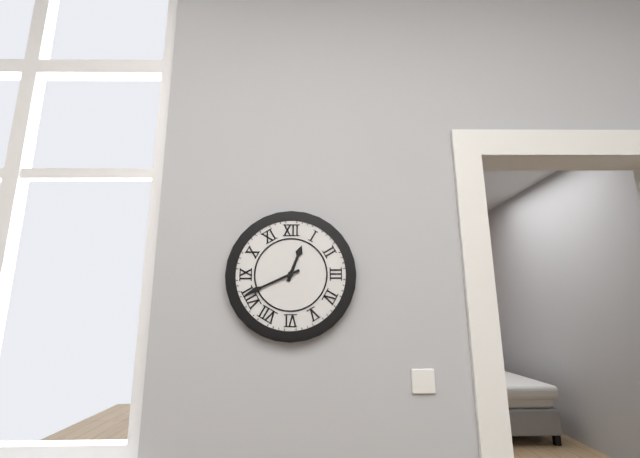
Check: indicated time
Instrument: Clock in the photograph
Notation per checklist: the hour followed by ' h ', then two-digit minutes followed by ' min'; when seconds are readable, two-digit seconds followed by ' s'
12 h 41 min
